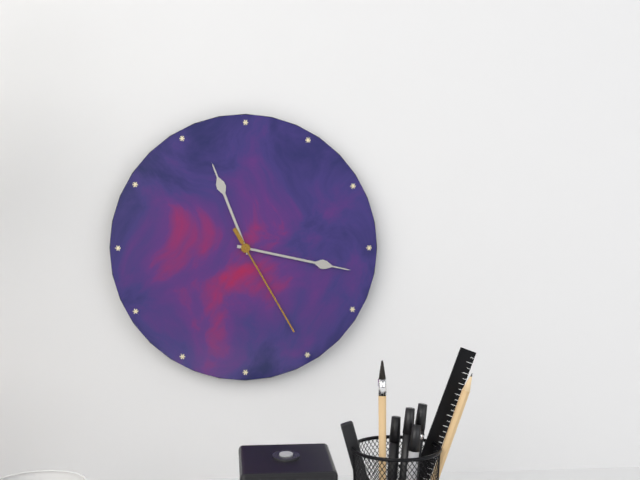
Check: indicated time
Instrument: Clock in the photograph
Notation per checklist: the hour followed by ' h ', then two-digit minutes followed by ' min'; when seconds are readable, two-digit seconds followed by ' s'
11 h 17 min 25 s
